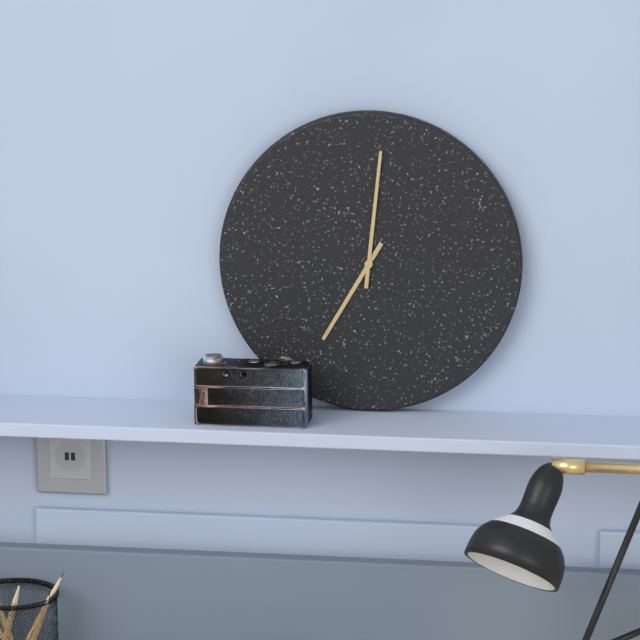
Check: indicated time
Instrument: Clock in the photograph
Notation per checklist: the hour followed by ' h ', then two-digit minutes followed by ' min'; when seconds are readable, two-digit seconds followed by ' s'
7 h 01 min
